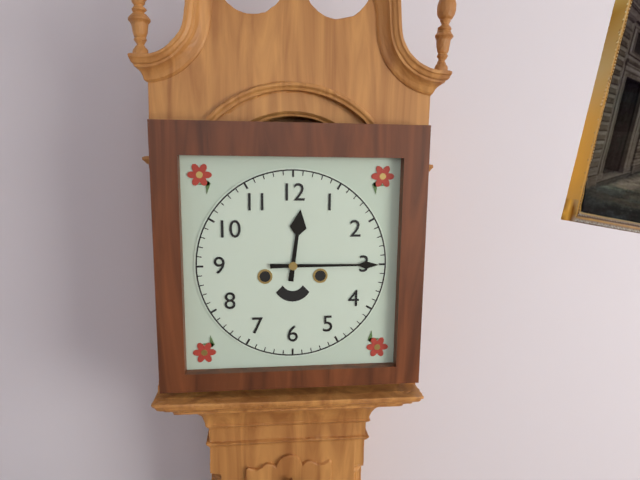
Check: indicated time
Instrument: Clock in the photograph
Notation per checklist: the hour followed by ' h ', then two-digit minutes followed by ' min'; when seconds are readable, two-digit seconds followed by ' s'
12 h 15 min
